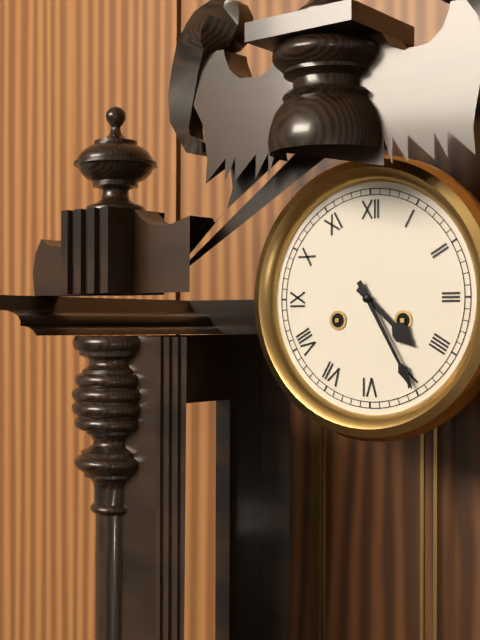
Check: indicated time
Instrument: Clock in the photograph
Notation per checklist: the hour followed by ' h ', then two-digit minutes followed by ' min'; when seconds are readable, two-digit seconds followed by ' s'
4 h 25 min
